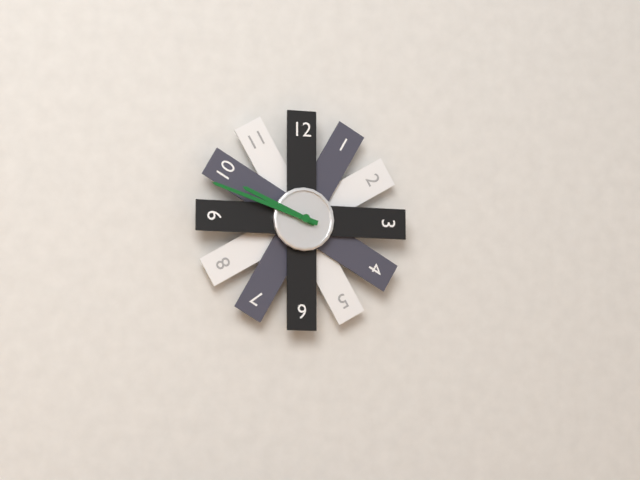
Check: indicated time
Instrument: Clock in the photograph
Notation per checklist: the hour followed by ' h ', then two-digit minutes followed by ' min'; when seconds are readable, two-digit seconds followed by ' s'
9 h 48 min
